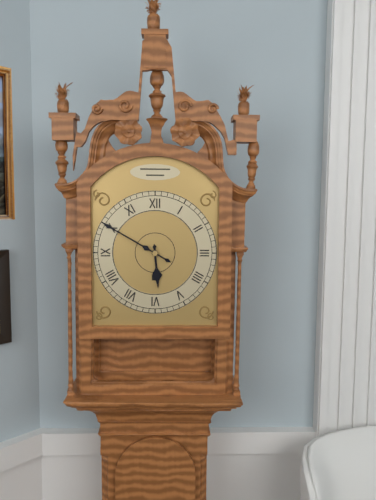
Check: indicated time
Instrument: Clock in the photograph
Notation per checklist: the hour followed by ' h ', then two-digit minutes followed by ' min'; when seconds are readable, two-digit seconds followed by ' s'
5 h 50 min
